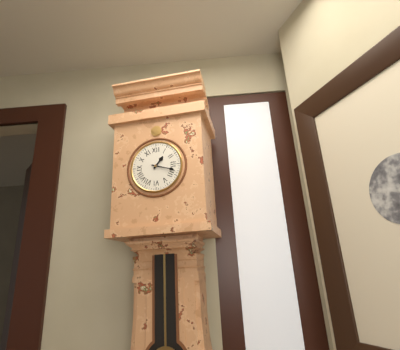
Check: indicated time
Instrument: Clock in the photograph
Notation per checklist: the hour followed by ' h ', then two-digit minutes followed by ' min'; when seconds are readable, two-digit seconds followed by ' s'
1 h 18 min
